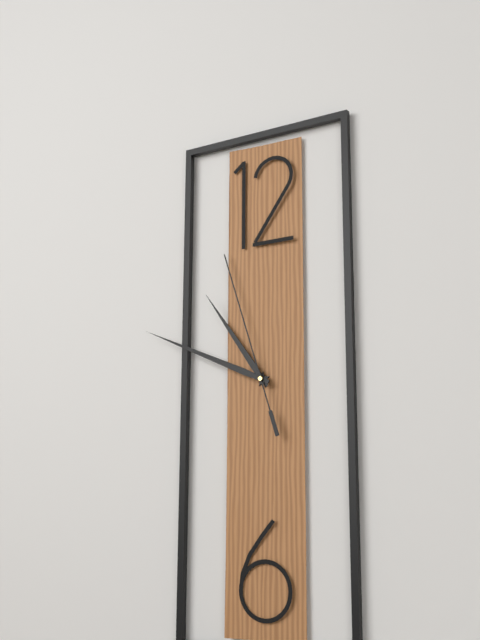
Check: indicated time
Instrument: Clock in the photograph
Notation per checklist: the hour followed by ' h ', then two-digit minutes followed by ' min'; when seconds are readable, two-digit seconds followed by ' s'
10 h 49 min 57 s
